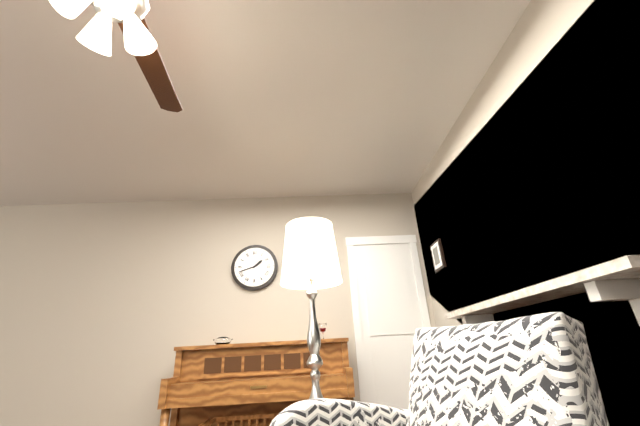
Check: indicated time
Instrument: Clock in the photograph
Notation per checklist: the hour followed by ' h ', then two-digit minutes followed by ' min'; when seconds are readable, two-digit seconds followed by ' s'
1 h 42 min
